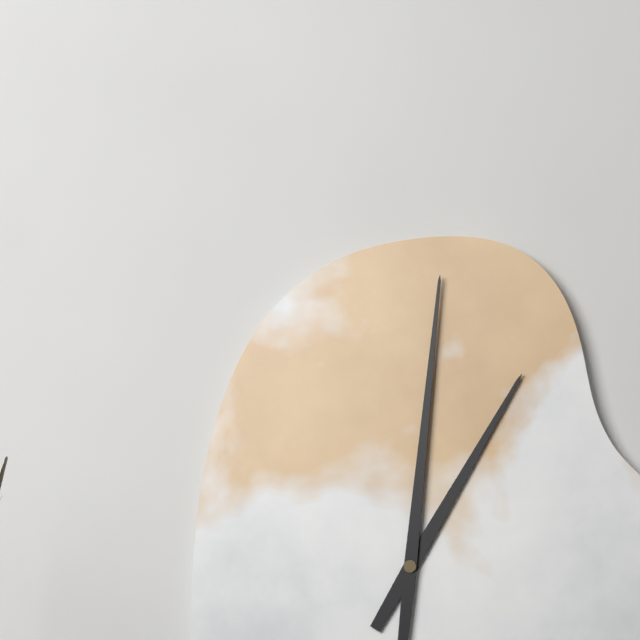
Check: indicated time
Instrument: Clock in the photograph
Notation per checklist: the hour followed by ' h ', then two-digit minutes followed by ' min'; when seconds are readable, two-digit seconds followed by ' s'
1 h 01 min
